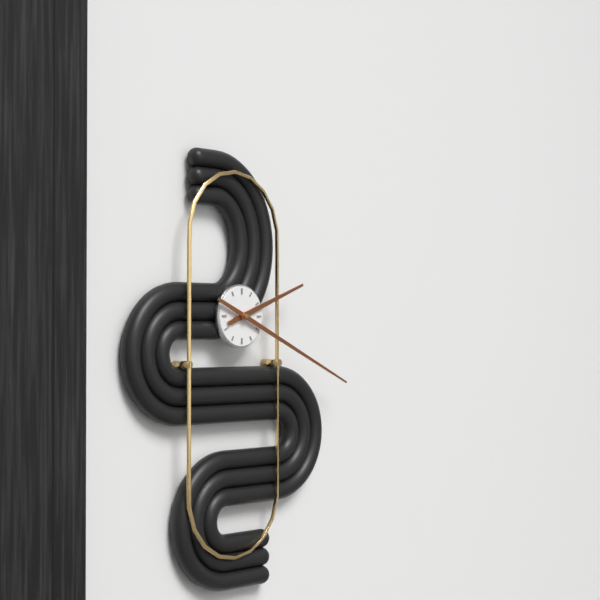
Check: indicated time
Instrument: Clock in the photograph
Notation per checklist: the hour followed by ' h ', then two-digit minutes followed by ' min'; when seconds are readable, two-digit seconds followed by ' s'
2 h 19 min
